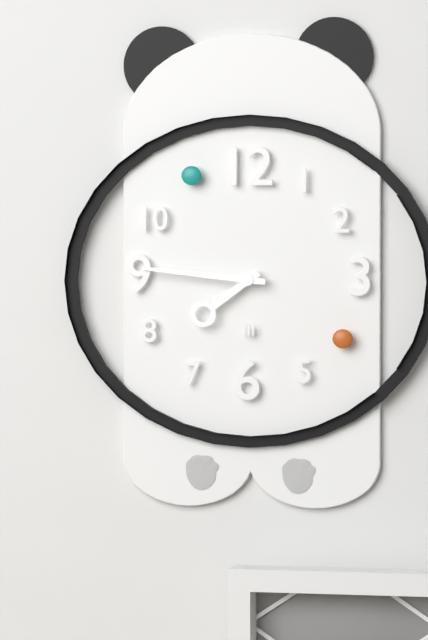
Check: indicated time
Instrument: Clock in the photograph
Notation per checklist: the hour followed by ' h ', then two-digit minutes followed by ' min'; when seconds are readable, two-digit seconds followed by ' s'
7 h 46 min
